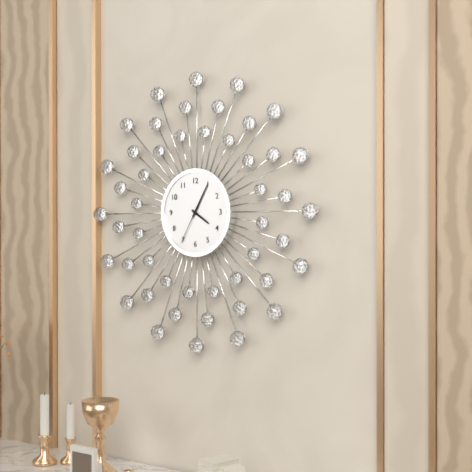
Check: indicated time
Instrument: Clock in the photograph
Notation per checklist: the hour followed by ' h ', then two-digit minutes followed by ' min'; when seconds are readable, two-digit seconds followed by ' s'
4 h 05 min
